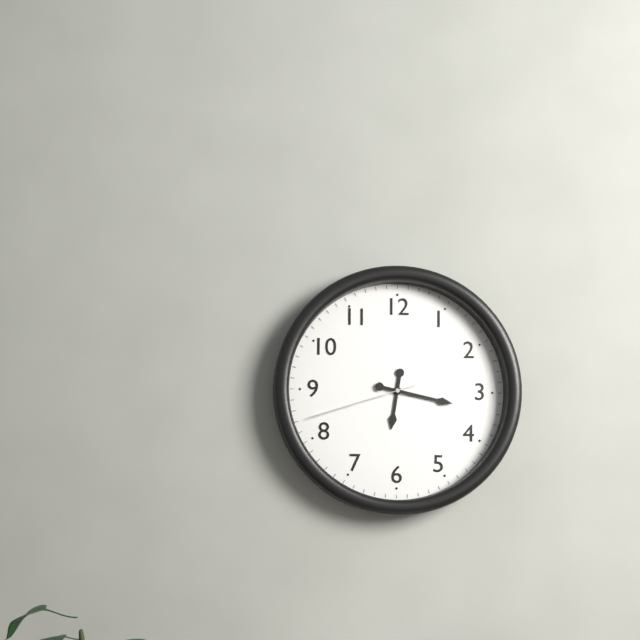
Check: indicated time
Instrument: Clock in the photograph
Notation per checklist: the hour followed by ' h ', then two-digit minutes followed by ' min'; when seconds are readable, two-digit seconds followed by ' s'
6 h 17 min 42 s
